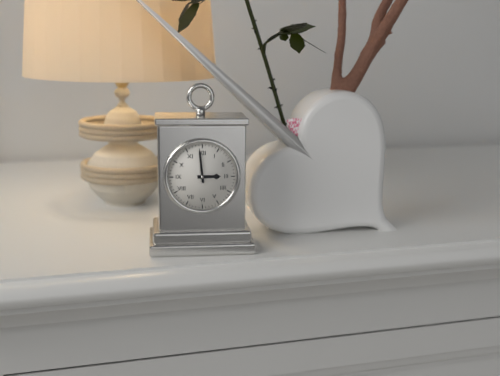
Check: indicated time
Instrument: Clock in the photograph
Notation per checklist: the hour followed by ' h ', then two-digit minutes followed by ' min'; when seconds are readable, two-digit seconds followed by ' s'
2 h 59 min
